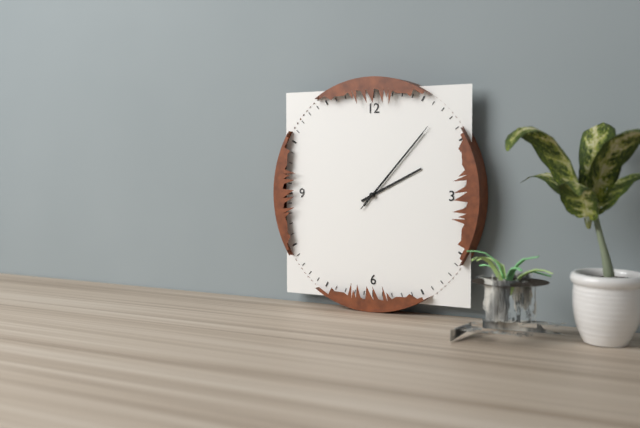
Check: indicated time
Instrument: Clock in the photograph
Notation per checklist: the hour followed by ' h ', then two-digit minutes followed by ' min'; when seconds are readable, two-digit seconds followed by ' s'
2 h 07 min 07 s
